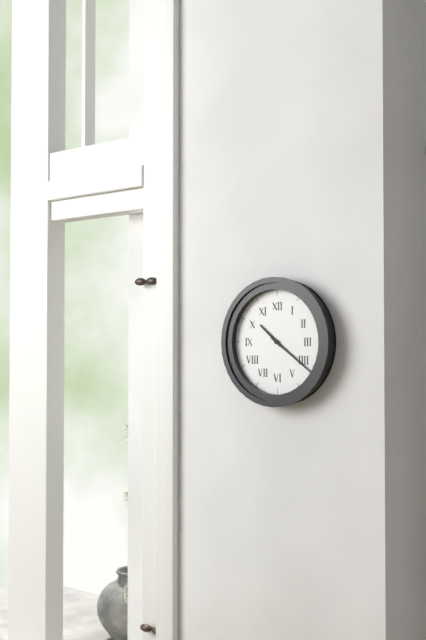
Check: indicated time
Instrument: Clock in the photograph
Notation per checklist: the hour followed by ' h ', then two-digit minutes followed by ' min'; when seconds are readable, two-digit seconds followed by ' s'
10 h 21 min
